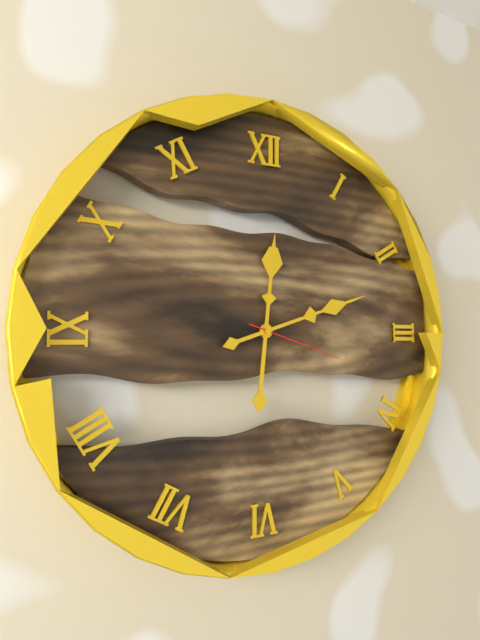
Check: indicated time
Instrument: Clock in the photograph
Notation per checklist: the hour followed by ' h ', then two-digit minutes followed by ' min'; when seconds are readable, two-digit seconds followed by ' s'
12 h 12 min 18 s
